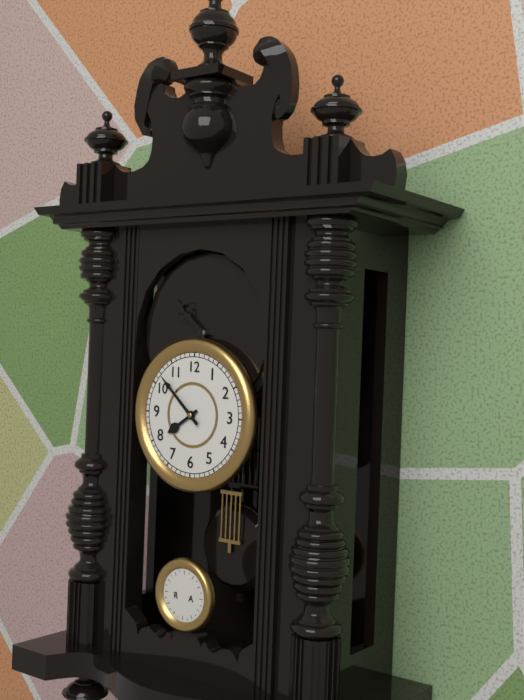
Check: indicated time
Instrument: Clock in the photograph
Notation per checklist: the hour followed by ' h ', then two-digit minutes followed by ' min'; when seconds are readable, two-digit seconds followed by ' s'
7 h 52 min
